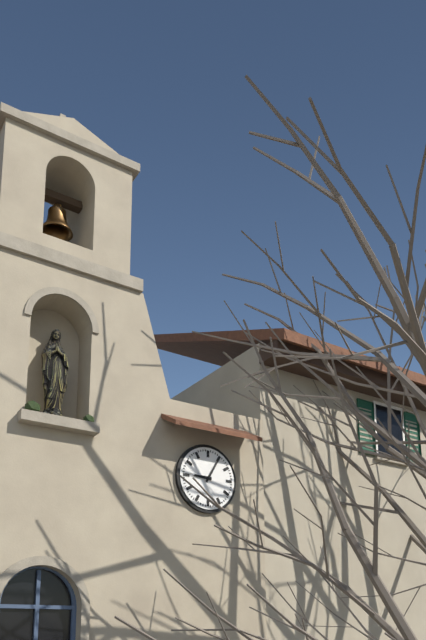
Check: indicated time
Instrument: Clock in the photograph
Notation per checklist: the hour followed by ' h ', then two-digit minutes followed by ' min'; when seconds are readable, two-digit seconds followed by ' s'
9 h 05 min
